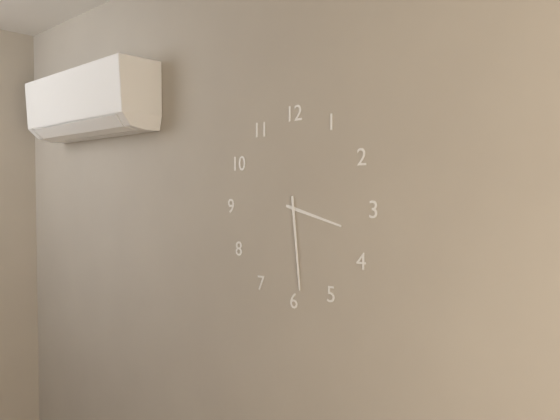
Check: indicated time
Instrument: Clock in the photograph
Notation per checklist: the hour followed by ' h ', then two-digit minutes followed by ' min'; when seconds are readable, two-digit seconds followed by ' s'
3 h 29 min
